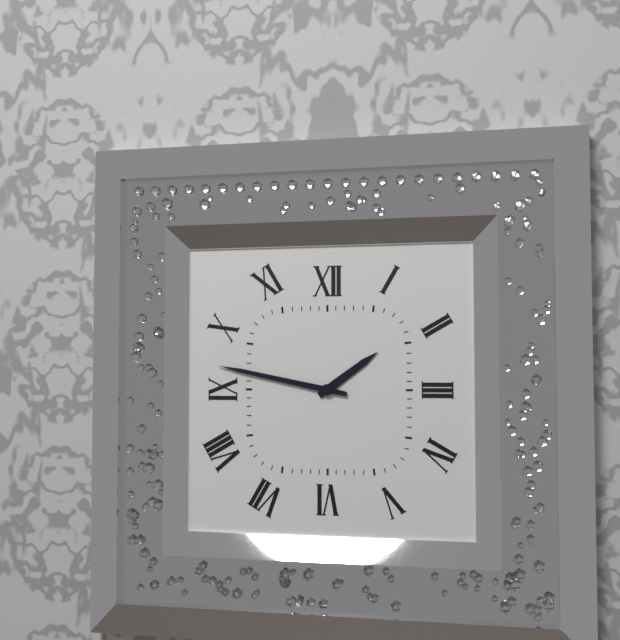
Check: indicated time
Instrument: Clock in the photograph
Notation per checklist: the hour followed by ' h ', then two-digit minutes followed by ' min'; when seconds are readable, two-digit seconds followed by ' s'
1 h 47 min
